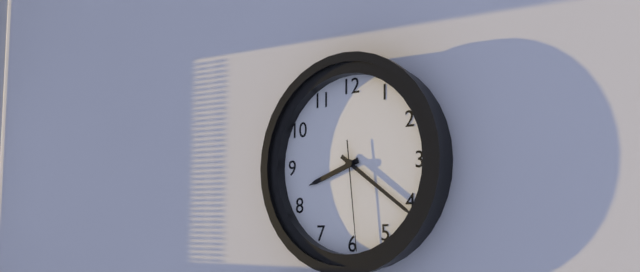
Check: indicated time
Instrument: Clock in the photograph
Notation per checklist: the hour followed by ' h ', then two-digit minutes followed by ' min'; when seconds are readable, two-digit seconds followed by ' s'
8 h 21 min 29 s
